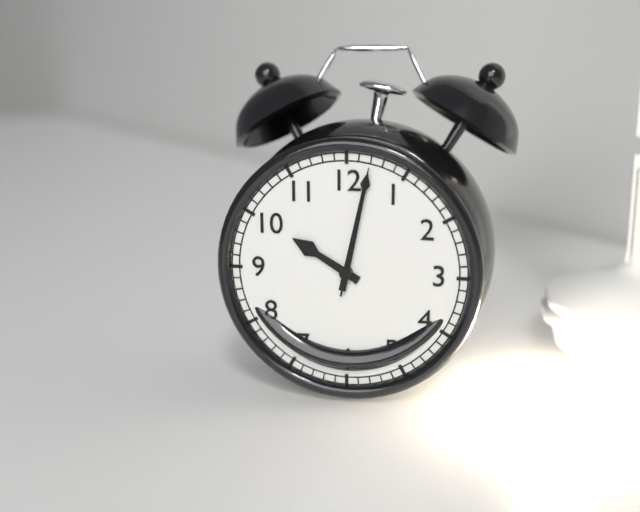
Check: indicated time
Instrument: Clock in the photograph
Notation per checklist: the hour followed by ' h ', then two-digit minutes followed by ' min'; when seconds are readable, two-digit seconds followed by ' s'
10 h 02 min 02 s
